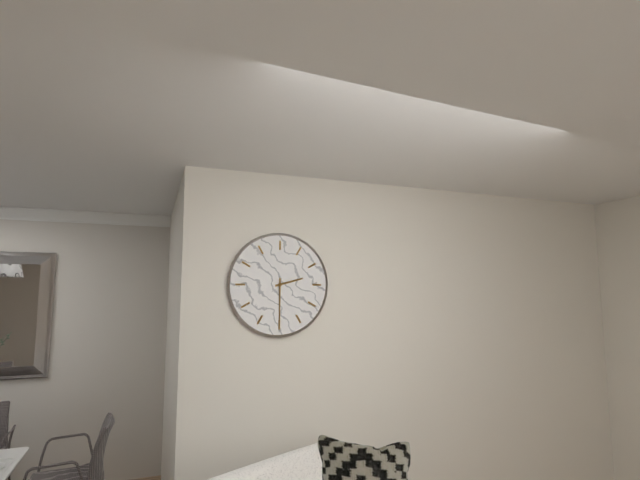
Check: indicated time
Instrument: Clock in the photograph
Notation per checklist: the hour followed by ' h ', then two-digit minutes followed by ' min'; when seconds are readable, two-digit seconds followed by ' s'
2 h 30 min
